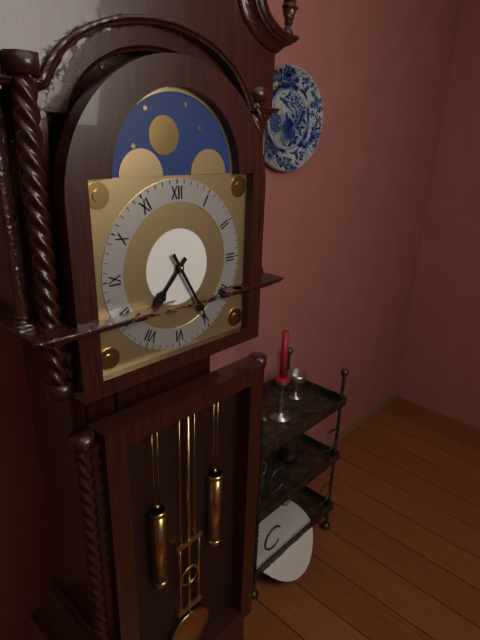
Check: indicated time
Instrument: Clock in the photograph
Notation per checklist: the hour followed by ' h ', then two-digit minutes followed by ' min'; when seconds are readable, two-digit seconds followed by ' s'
7 h 25 min
